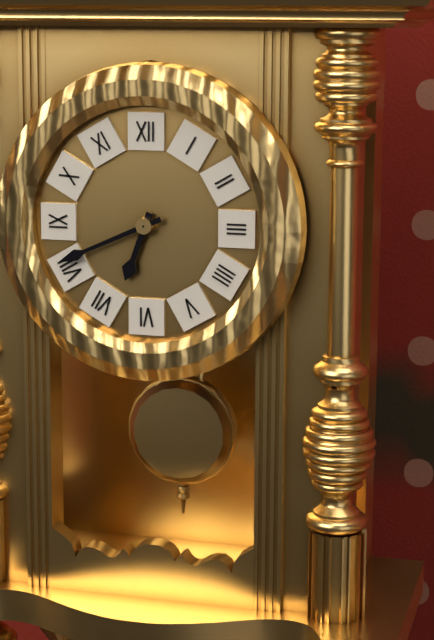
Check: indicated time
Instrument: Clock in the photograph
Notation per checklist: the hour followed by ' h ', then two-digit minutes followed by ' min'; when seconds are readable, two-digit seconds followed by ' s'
6 h 41 min
